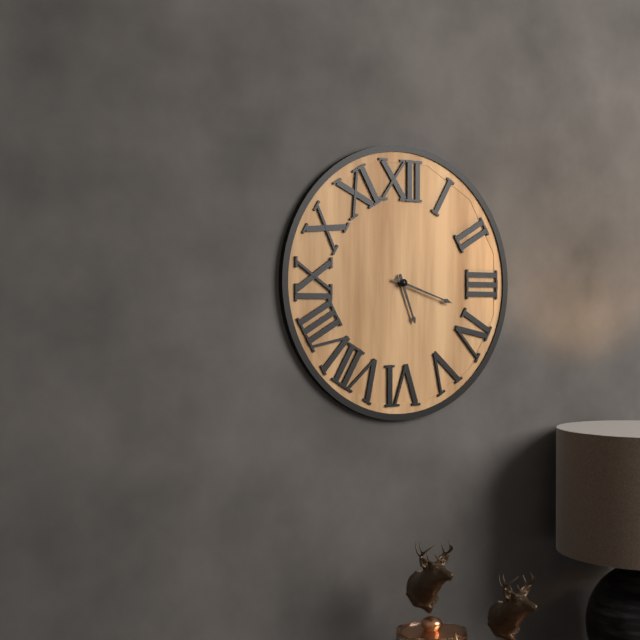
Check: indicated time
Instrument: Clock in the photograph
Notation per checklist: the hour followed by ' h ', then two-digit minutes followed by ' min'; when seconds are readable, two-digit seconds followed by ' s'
5 h 18 min
